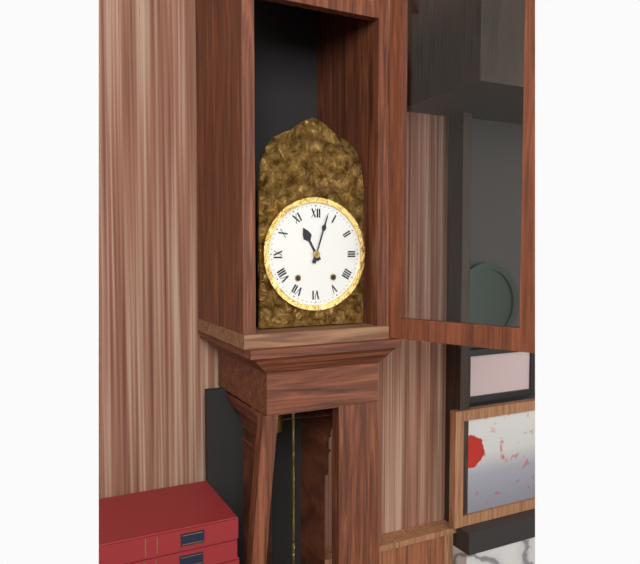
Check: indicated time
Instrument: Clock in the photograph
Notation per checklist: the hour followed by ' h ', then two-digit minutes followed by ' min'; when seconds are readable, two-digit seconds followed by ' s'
11 h 03 min
